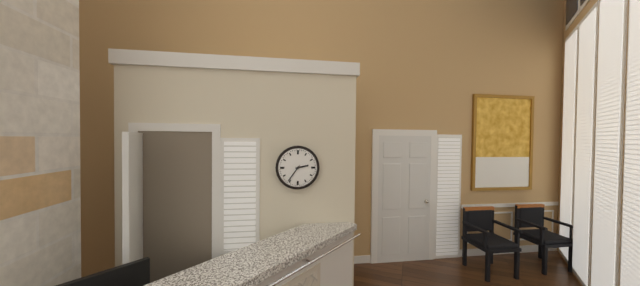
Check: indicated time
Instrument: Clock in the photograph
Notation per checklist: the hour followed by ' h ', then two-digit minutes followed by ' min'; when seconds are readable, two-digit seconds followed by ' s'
2 h 36 min
